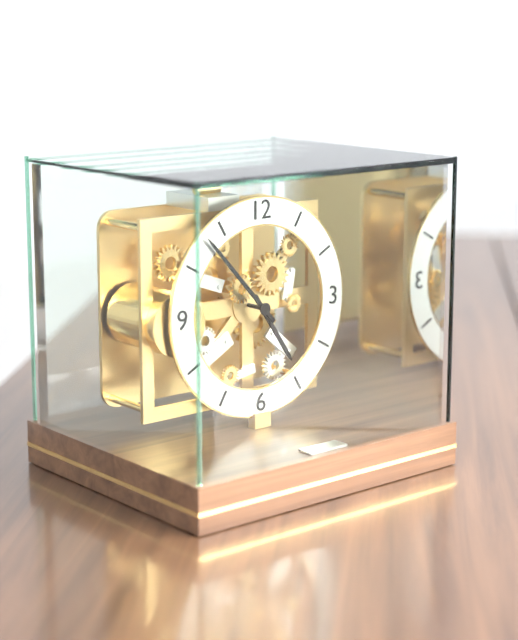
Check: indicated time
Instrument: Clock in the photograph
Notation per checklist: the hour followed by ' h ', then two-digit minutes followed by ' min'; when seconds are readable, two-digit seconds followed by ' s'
4 h 53 min
